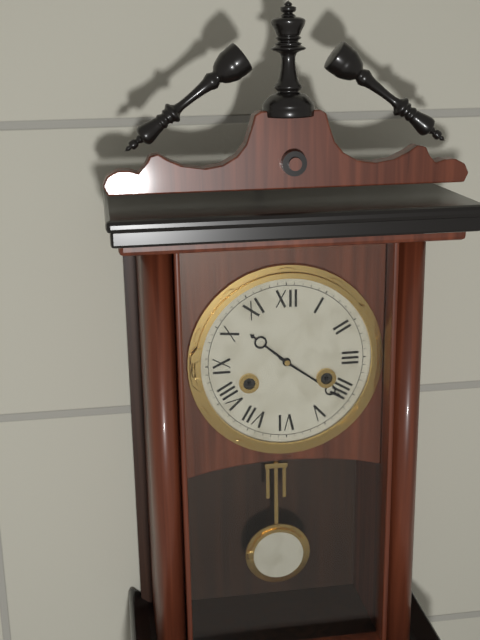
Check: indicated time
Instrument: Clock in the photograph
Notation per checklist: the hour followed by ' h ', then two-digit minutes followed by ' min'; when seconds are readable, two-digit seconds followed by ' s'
10 h 21 min
